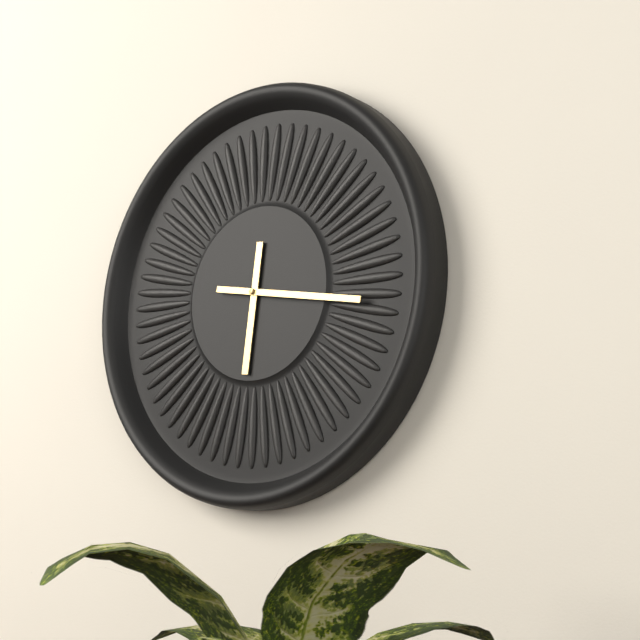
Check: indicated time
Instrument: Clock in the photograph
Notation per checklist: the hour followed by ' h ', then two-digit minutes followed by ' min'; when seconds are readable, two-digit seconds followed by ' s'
6 h 17 min
